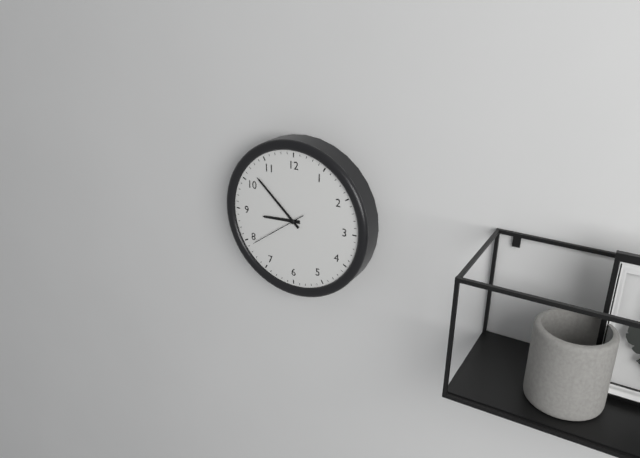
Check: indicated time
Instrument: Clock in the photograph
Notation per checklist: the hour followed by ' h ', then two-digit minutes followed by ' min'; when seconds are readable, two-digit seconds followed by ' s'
8 h 52 min 39 s
